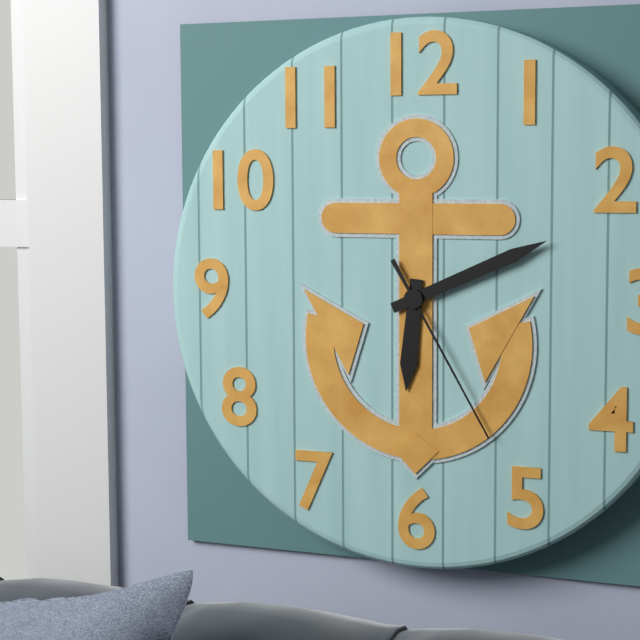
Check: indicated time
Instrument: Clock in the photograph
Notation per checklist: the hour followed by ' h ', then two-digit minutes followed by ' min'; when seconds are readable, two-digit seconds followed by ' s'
6 h 11 min 25 s
